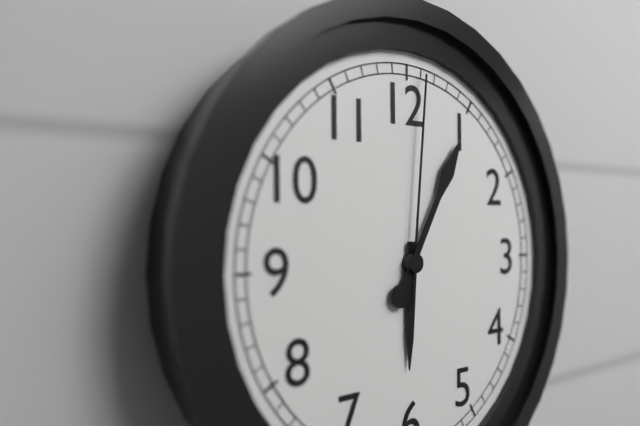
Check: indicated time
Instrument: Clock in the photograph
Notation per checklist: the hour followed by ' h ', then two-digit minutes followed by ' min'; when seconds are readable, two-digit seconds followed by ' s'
6 h 05 min 01 s
